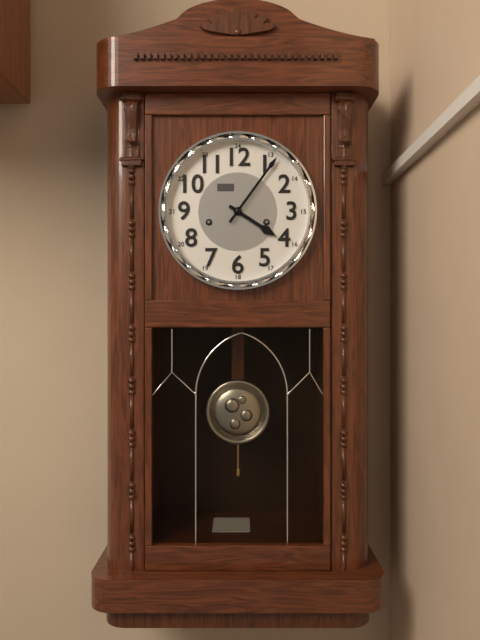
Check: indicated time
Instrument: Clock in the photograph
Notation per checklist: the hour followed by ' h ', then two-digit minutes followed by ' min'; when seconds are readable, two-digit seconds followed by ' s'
4 h 06 min
